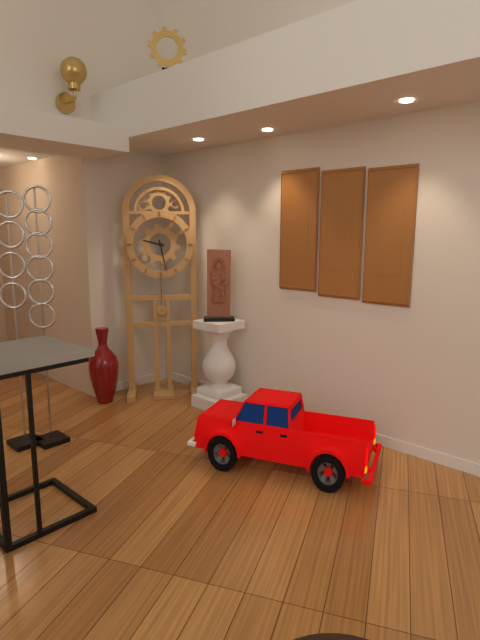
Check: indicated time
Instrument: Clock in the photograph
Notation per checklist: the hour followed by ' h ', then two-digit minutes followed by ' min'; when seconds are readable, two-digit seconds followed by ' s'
9 h 28 min
